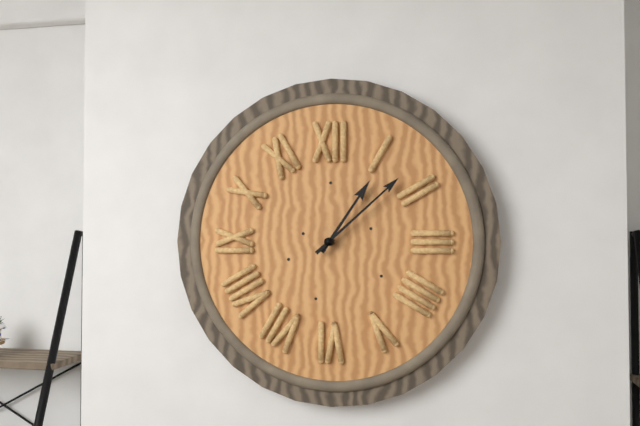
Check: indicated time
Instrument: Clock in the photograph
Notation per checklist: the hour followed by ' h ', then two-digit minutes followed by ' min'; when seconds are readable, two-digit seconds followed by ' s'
1 h 08 min
